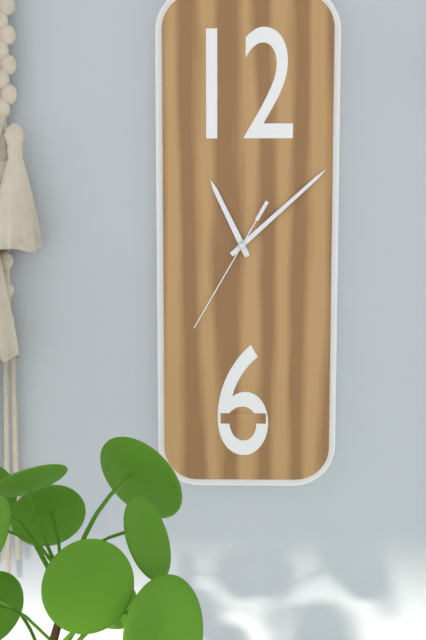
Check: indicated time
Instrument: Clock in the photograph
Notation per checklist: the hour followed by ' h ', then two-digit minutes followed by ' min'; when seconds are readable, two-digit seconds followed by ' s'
11 h 08 min 35 s
